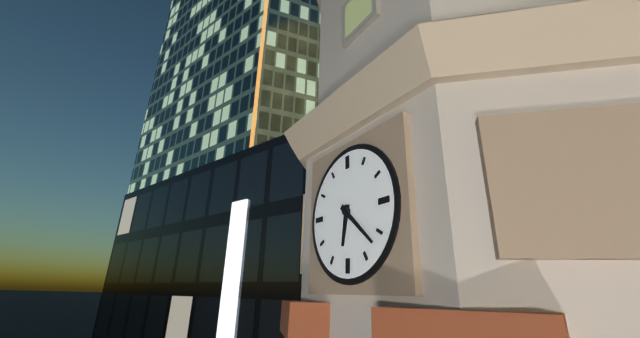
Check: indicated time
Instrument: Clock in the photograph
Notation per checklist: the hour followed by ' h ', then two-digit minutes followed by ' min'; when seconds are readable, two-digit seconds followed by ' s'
6 h 22 min
